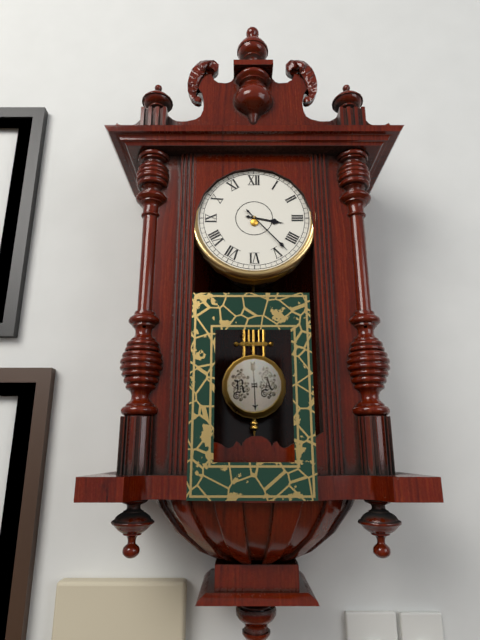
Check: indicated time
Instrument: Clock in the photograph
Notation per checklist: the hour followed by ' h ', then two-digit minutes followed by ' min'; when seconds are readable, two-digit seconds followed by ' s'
3 h 23 min
